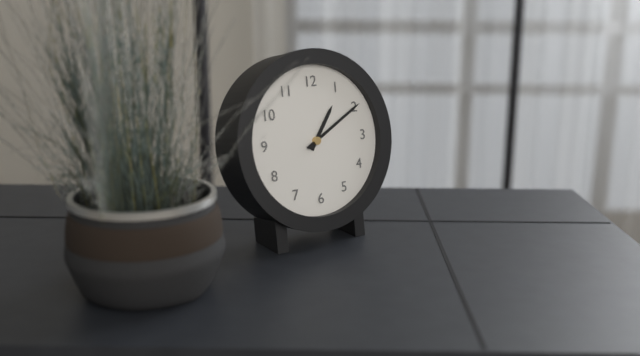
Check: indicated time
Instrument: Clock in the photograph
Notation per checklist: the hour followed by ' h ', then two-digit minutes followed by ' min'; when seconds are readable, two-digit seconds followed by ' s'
1 h 10 min
